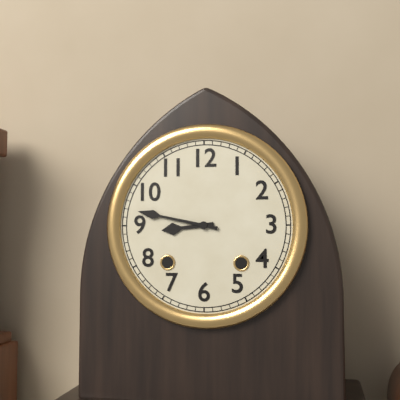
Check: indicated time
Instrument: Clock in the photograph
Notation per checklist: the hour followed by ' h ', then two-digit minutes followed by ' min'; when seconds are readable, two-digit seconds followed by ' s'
8 h 47 min
